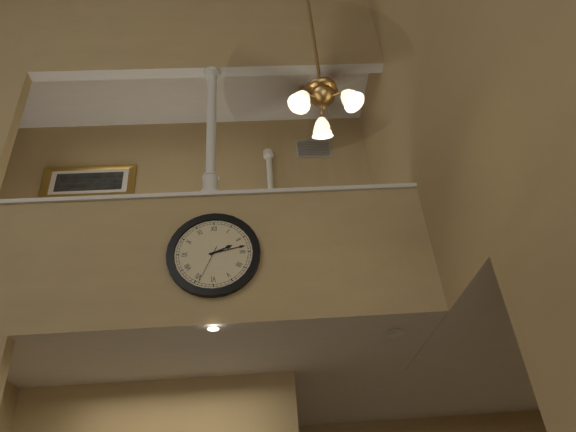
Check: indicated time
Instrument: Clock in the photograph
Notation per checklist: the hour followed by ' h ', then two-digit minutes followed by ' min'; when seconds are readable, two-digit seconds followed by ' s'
2 h 13 min
